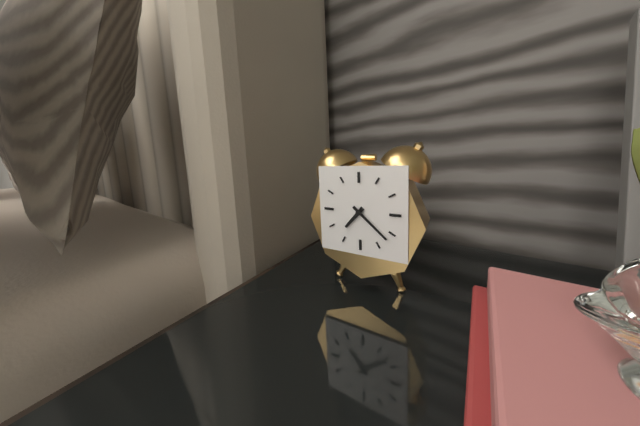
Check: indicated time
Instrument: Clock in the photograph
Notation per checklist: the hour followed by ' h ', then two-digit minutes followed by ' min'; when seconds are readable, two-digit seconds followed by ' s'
7 h 22 min
